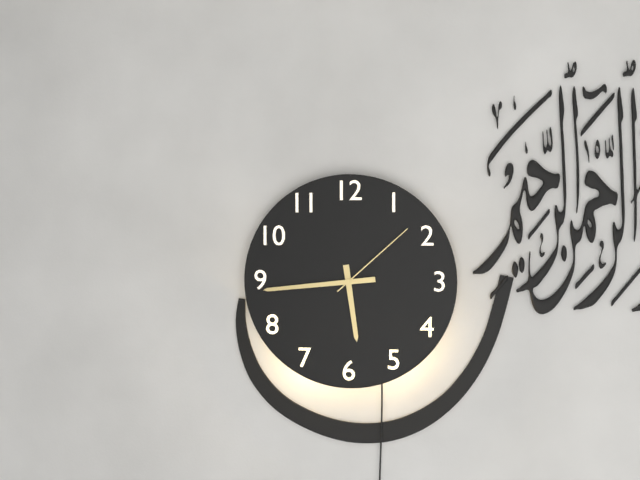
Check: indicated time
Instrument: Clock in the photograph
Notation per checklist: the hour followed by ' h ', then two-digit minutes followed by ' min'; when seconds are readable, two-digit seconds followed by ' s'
5 h 44 min 08 s
